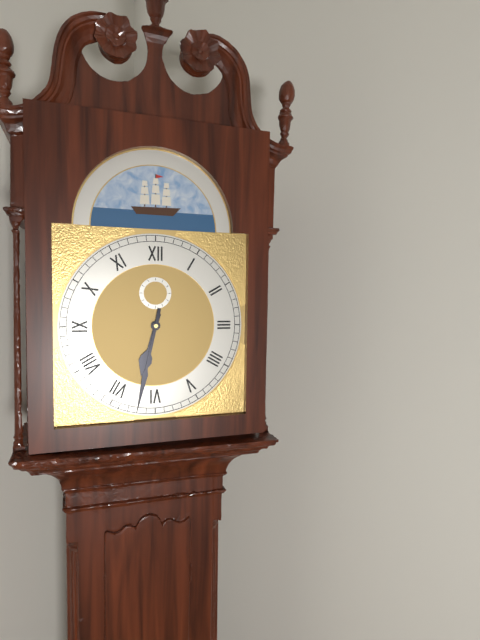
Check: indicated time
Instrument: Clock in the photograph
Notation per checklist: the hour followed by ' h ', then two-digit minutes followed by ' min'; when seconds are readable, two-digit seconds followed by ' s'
6 h 32 min
